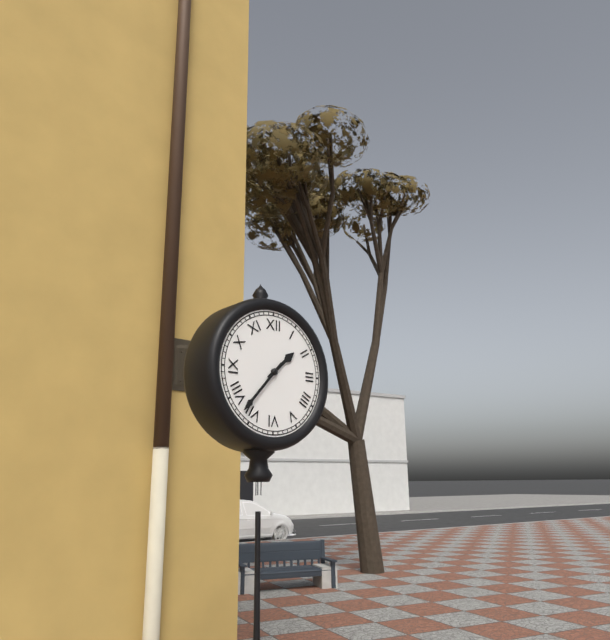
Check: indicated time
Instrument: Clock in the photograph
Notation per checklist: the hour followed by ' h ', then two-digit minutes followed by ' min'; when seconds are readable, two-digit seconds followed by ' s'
1 h 37 min
